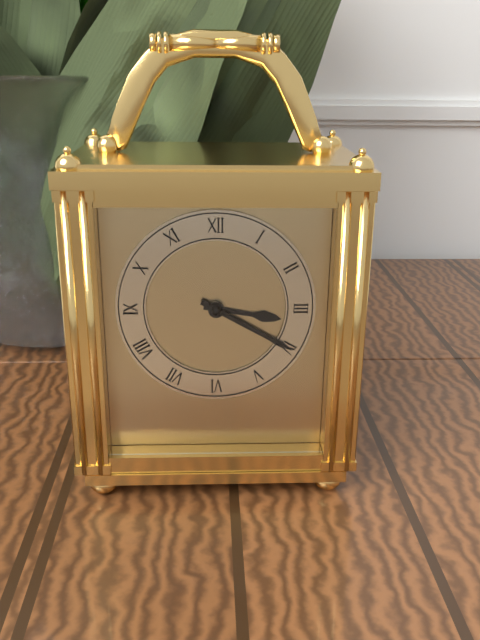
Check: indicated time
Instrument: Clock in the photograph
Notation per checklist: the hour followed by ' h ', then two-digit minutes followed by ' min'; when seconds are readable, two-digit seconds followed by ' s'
3 h 20 min
